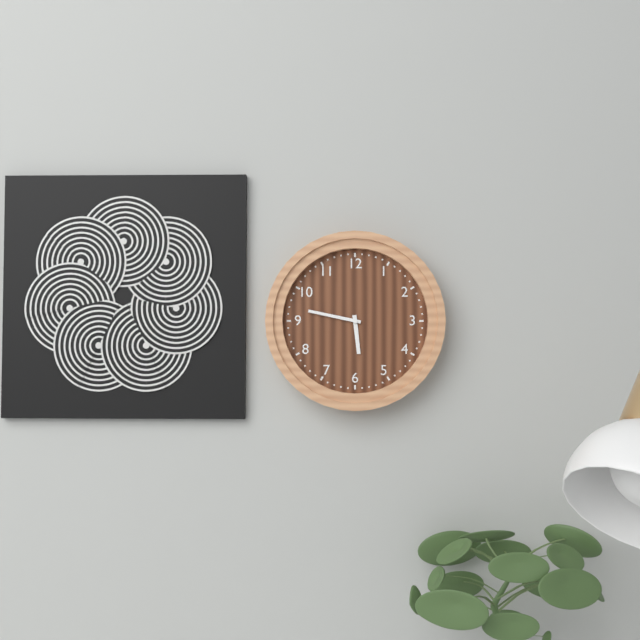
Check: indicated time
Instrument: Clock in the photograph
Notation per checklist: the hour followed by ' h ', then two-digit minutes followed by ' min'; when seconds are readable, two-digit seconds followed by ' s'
5 h 47 min
